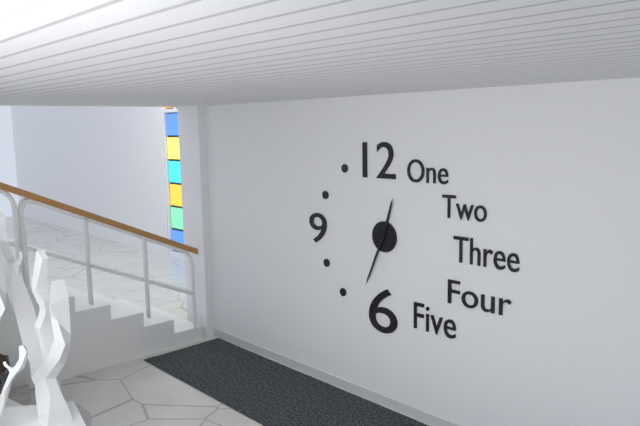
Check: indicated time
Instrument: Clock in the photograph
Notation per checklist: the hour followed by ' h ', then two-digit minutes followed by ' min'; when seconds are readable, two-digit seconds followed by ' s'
12 h 34 min
